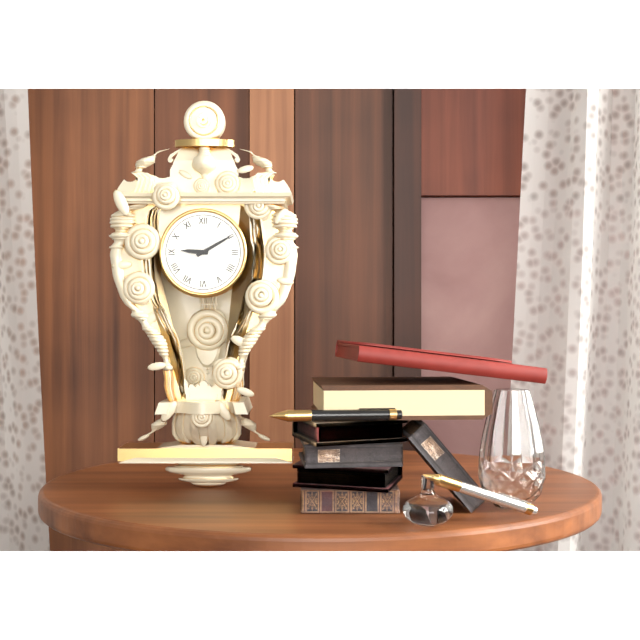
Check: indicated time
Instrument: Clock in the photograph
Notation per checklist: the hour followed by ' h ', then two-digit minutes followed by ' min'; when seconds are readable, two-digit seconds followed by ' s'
9 h 10 min
